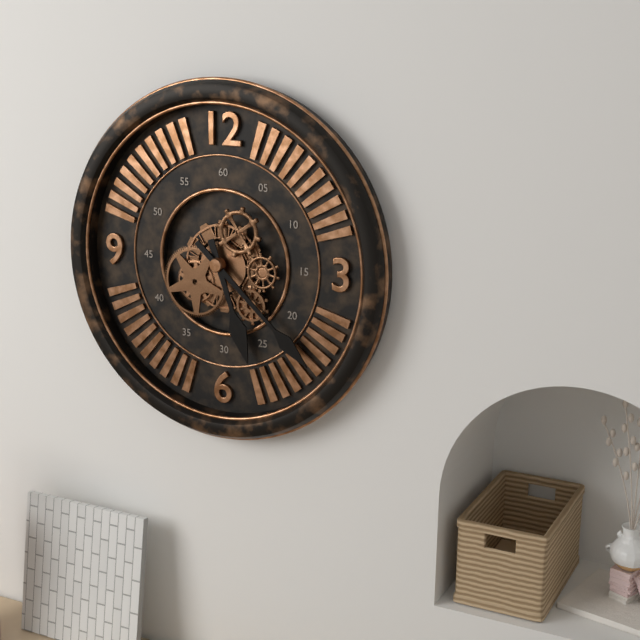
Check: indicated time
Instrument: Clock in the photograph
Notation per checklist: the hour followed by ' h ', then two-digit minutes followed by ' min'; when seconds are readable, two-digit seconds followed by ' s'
5 h 22 min
